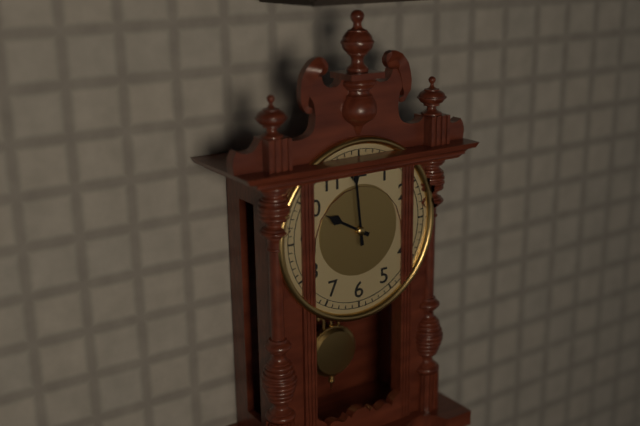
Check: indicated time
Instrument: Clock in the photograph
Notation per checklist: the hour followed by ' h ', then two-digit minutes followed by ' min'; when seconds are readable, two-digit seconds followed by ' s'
9 h 59 min
